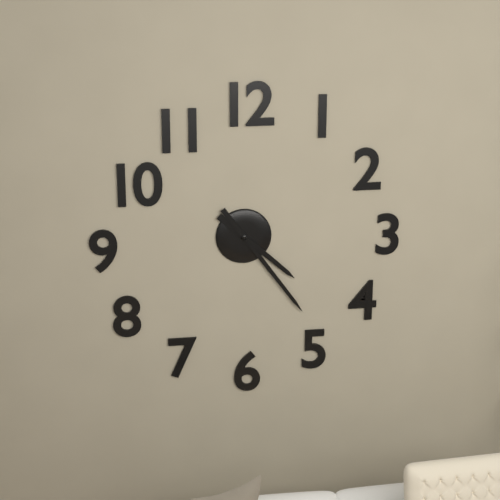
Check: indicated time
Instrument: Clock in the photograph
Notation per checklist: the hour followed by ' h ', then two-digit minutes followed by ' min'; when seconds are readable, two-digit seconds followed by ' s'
4 h 24 min
